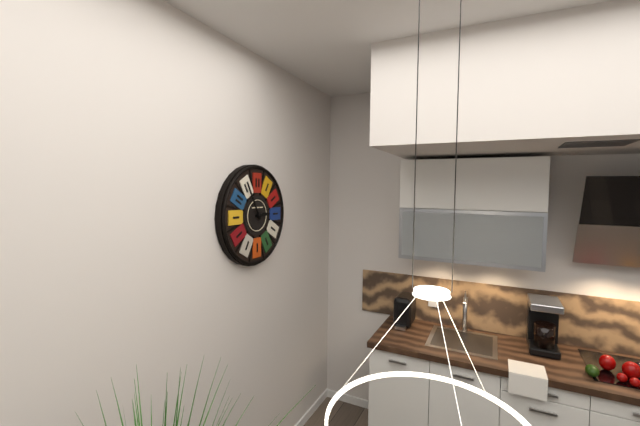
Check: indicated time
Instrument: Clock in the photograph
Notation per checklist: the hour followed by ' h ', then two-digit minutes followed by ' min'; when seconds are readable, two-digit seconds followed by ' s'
2 h 55 min
